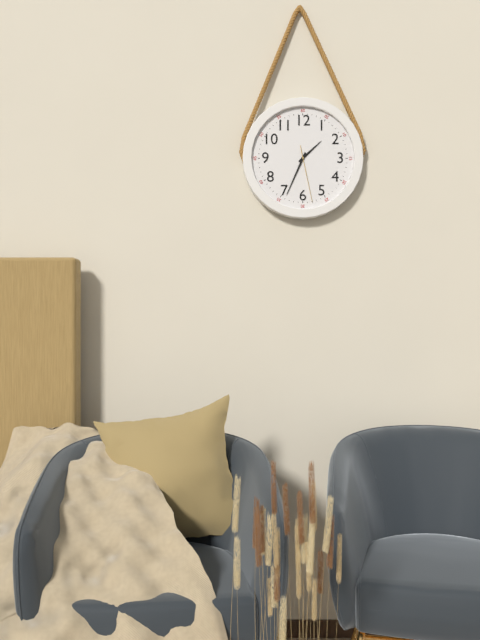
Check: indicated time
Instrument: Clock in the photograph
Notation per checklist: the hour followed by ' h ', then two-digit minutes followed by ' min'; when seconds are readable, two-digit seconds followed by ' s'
1 h 34 min 28 s
